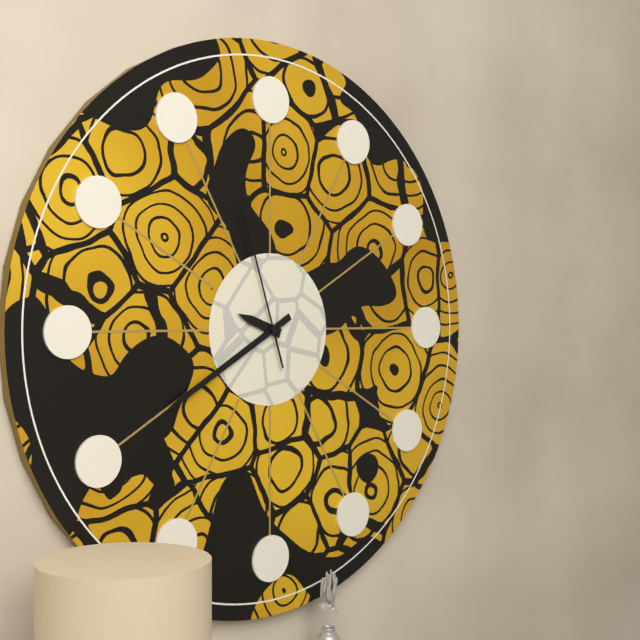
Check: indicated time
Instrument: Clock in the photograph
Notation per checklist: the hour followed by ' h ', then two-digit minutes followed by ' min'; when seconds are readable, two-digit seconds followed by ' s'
9 h 40 min 57 s
